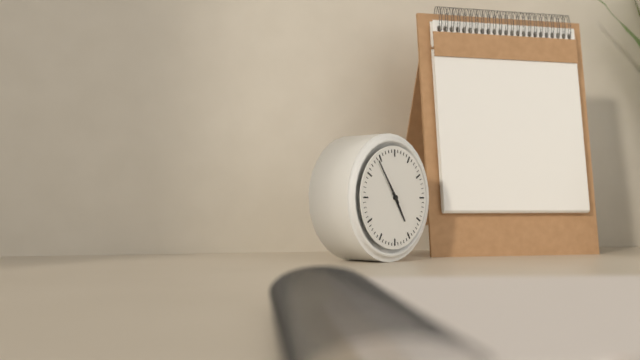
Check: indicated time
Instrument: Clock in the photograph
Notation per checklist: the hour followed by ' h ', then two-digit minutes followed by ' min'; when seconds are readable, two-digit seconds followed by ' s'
4 h 54 min
